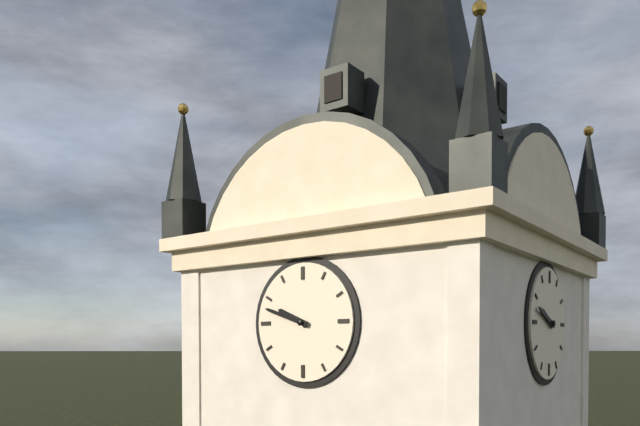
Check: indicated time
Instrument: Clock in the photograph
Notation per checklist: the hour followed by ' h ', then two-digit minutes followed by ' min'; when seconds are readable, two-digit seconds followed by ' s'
9 h 48 min
